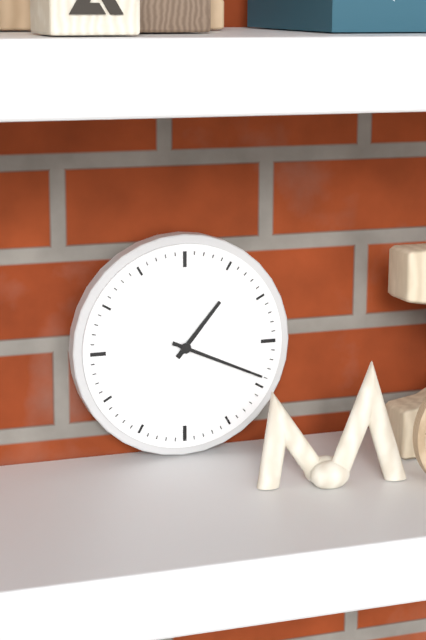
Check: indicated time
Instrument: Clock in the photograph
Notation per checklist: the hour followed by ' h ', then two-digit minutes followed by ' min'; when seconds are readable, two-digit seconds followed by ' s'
1 h 19 min
